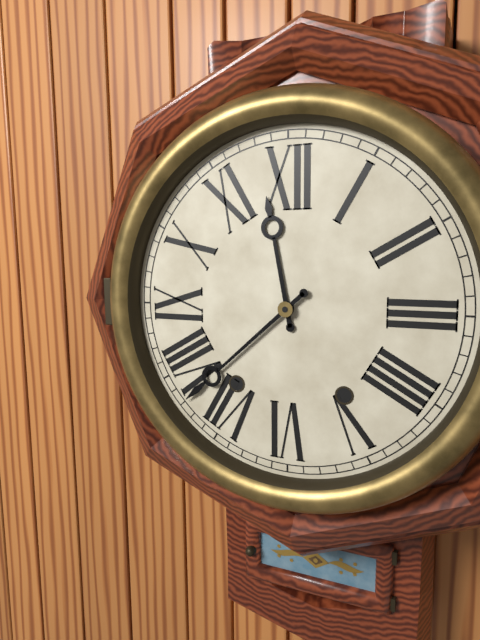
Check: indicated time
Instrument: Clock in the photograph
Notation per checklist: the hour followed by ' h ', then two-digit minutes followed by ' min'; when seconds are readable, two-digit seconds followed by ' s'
11 h 38 min
